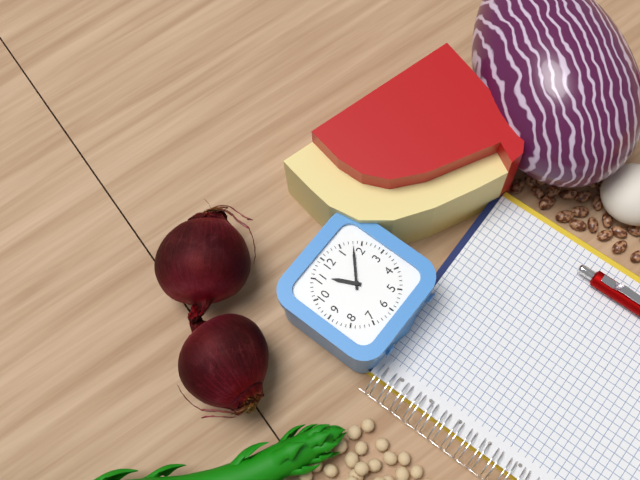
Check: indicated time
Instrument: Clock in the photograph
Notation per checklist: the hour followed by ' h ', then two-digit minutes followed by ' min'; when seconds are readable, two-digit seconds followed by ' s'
11 h 08 min
